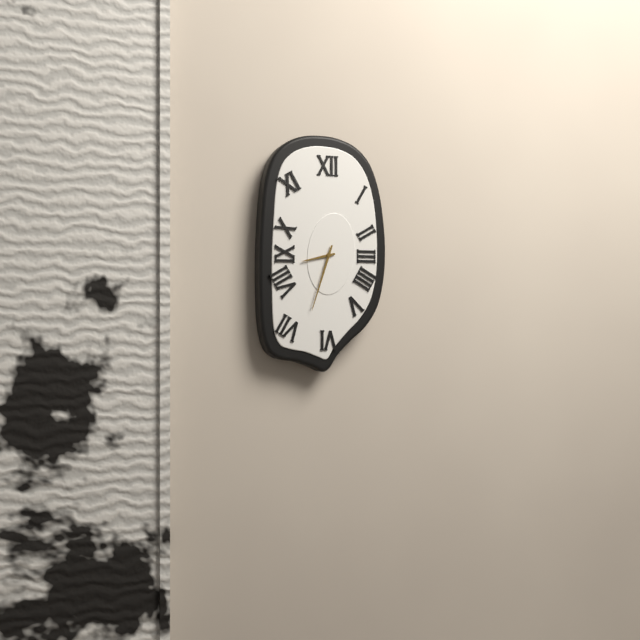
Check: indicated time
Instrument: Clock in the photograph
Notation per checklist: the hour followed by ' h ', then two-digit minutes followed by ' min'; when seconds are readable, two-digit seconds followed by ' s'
8 h 33 min
